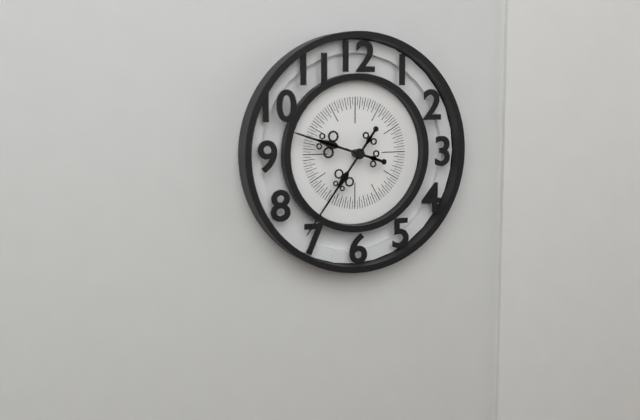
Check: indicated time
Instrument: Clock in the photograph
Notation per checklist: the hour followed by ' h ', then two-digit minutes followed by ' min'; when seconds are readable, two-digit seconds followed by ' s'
9 h 36 min
